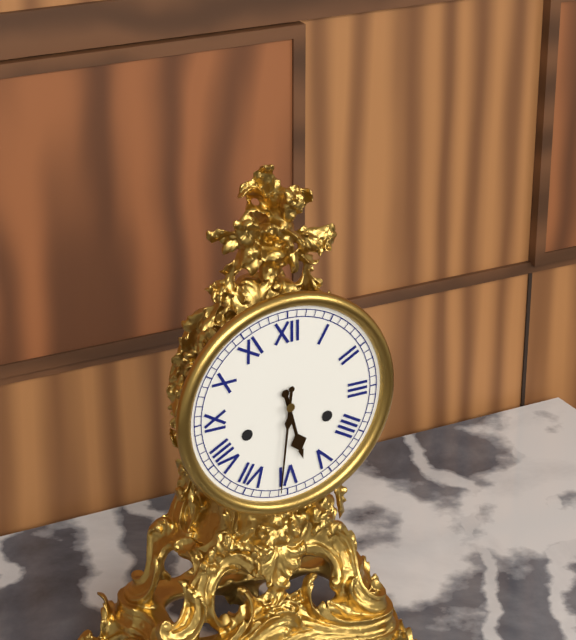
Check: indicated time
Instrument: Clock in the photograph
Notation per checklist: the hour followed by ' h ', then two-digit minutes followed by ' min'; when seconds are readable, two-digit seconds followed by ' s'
5 h 31 min
